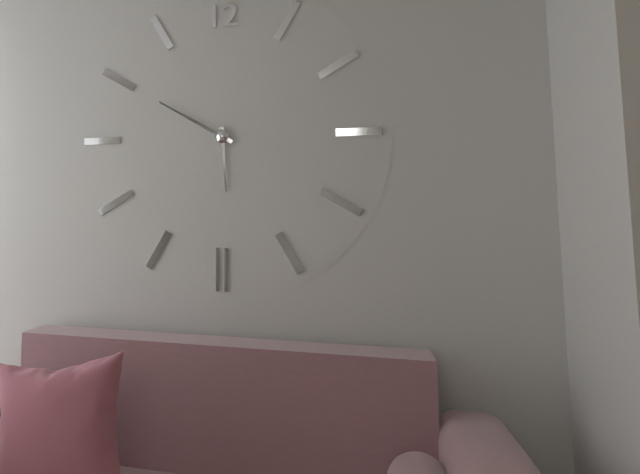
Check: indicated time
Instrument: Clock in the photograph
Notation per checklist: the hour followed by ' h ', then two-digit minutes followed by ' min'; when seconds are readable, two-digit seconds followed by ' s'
5 h 50 min
